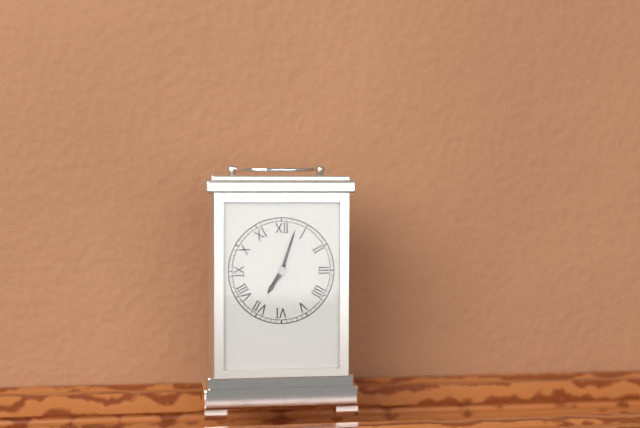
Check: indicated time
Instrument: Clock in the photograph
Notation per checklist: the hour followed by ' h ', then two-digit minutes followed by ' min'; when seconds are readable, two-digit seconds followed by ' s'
7 h 03 min
